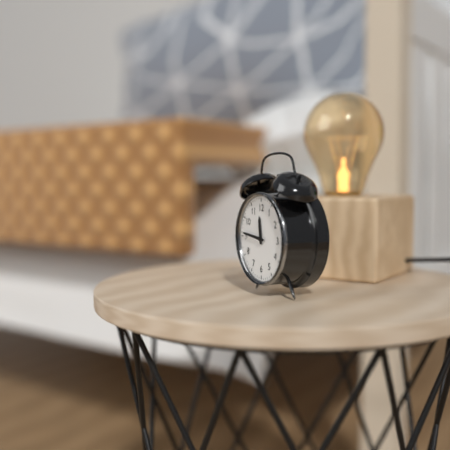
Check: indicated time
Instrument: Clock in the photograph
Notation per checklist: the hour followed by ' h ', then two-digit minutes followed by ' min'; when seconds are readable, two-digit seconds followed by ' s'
11 h 46 min
